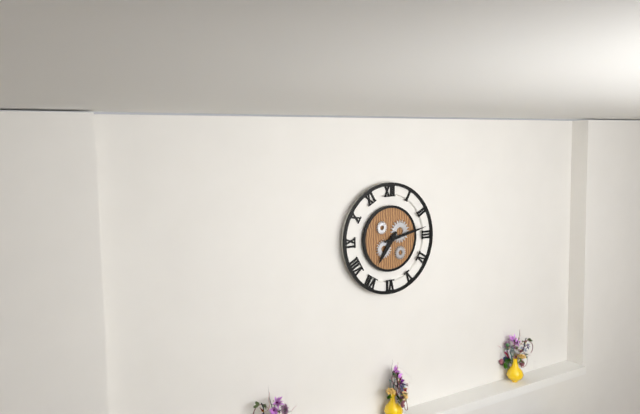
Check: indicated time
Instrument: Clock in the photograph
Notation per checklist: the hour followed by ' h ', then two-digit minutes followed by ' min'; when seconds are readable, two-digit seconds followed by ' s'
7 h 13 min
